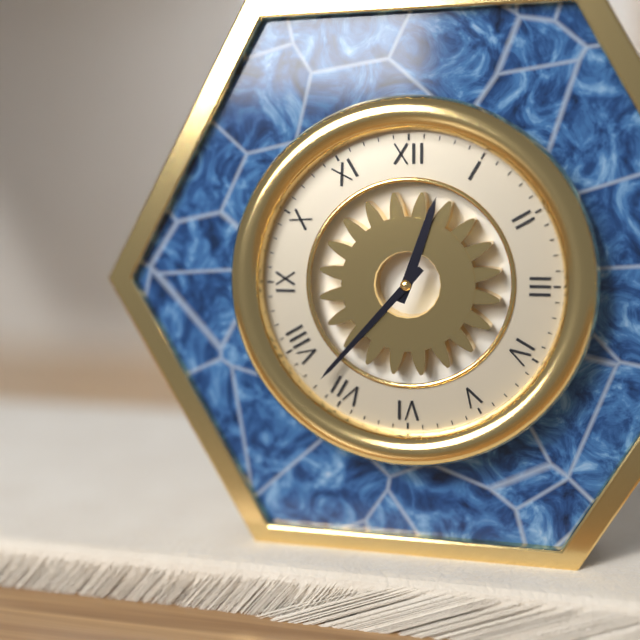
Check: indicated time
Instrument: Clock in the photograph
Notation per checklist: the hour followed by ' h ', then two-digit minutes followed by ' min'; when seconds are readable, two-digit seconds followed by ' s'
12 h 37 min
